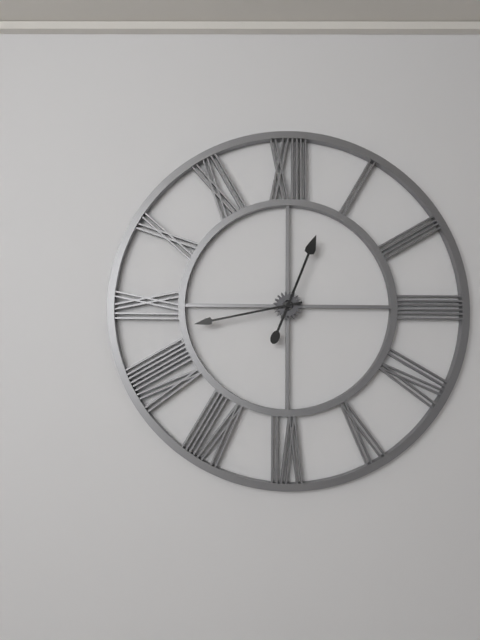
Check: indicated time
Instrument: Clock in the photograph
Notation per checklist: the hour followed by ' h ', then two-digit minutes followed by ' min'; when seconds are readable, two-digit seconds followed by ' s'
12 h 43 min
